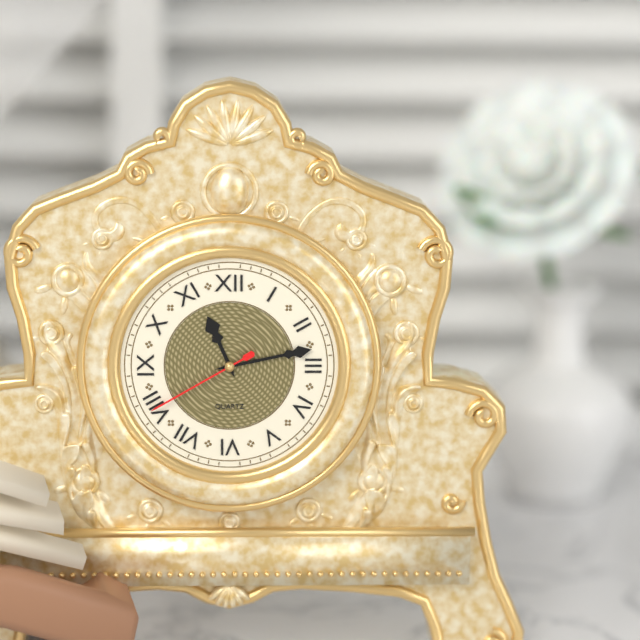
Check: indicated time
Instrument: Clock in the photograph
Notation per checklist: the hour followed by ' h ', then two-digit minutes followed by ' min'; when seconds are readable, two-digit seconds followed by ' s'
11 h 13 min 40 s
